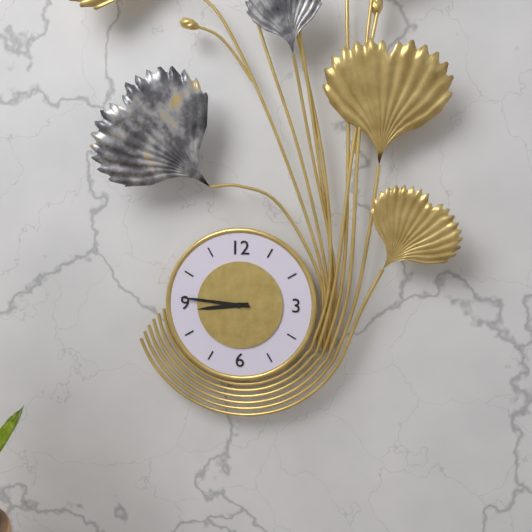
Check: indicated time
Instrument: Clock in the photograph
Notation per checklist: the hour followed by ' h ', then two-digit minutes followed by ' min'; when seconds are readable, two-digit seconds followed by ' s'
8 h 46 min
